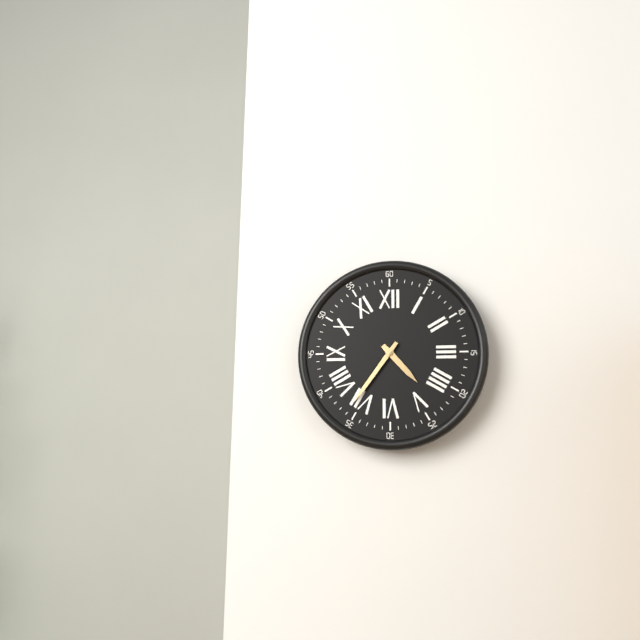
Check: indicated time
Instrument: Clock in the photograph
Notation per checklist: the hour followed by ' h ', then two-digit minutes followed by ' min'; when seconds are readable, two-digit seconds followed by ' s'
4 h 36 min
